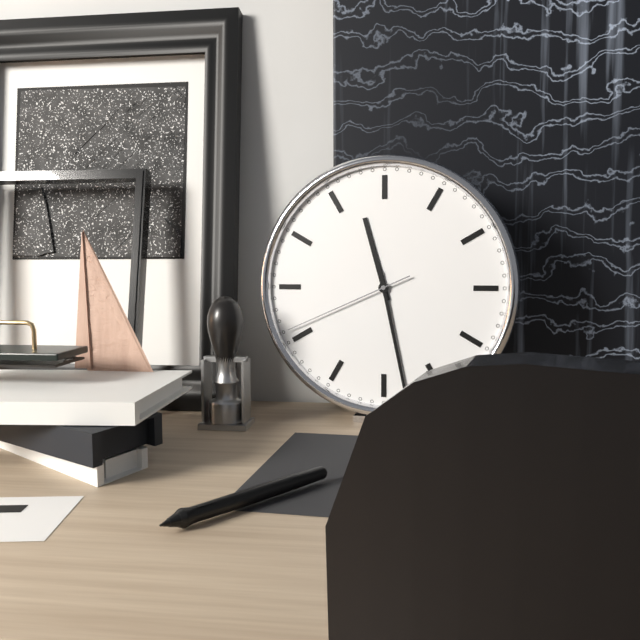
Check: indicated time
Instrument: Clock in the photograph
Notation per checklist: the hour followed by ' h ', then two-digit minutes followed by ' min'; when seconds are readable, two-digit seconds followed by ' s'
11 h 28 min 41 s
